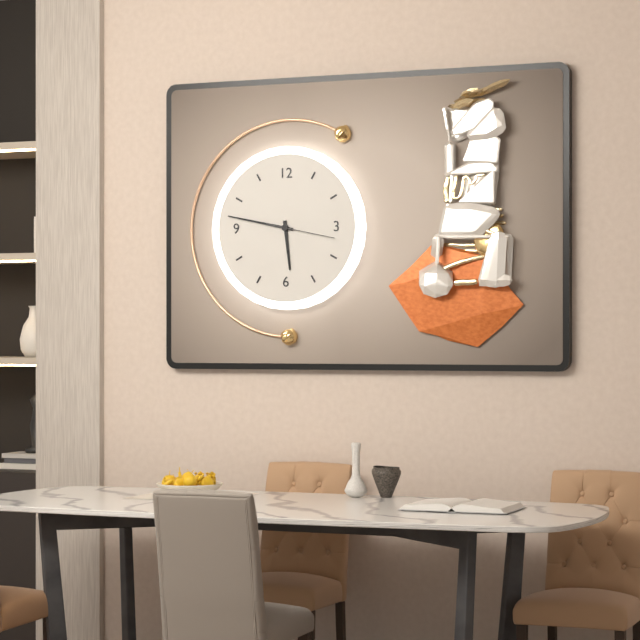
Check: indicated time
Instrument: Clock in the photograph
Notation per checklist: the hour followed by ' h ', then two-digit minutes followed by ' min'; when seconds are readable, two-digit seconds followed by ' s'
5 h 47 min 17 s
